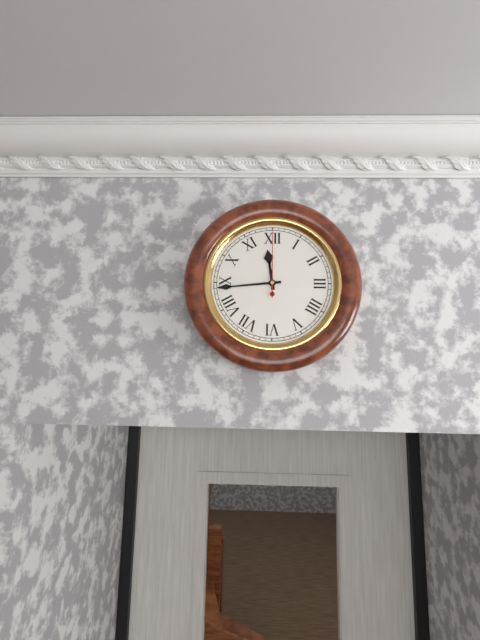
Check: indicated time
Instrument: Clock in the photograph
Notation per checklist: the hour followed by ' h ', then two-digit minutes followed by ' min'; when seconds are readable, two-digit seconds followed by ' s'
11 h 44 min 00 s
